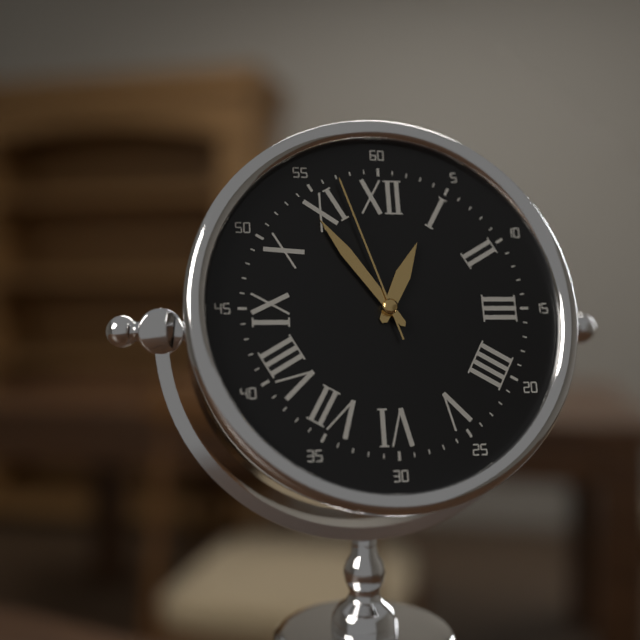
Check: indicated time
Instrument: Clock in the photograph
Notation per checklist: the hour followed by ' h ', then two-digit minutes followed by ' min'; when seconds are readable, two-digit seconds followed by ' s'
12 h 54 min 57 s
